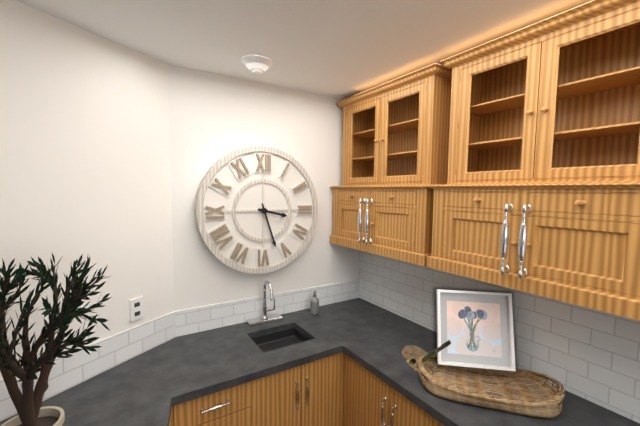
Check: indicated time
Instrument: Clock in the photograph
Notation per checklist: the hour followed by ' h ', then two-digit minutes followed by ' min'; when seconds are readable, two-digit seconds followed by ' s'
3 h 27 min
